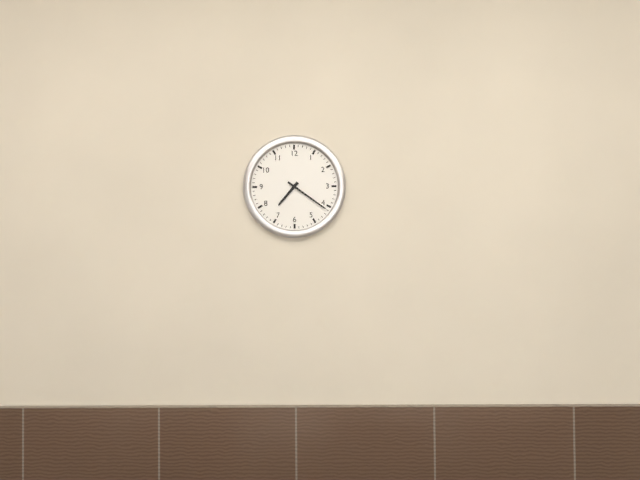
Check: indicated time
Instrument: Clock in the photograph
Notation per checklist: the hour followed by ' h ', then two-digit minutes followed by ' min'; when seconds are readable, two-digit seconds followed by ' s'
7 h 21 min
